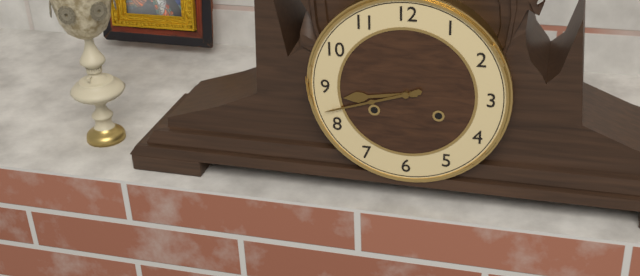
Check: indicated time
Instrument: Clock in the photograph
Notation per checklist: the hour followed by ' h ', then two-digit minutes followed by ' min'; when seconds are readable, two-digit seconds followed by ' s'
8 h 42 min
